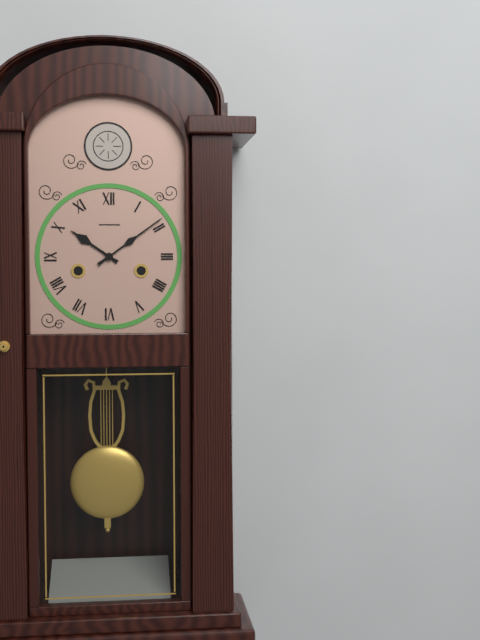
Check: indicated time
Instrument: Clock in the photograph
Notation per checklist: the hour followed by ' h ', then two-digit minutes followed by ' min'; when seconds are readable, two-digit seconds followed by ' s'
10 h 09 min
